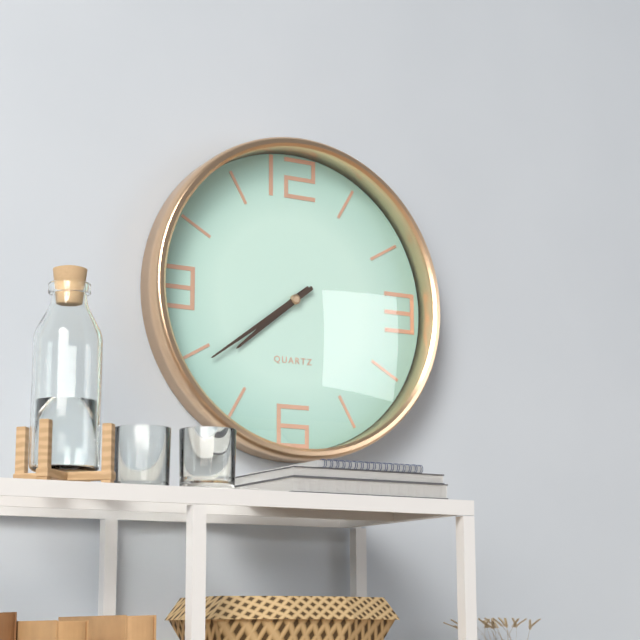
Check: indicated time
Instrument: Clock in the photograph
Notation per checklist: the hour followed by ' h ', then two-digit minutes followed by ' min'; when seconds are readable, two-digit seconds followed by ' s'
7 h 39 min
